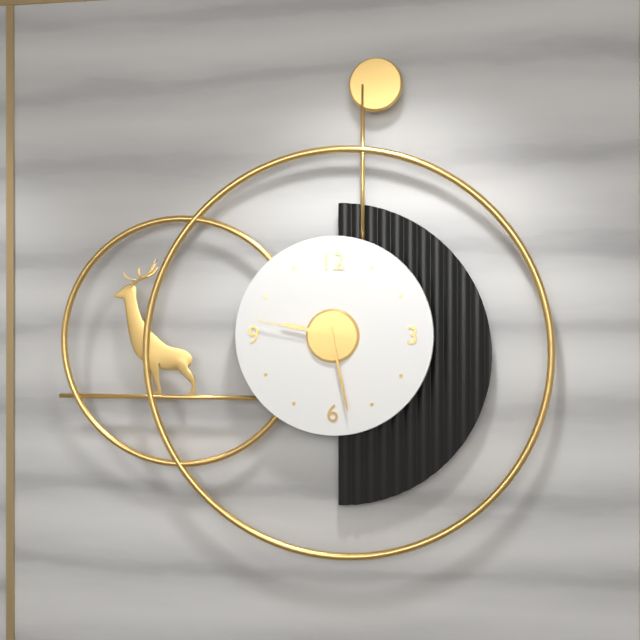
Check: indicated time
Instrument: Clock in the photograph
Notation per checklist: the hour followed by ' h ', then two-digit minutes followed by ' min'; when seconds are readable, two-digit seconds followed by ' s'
9 h 28 min 47 s
